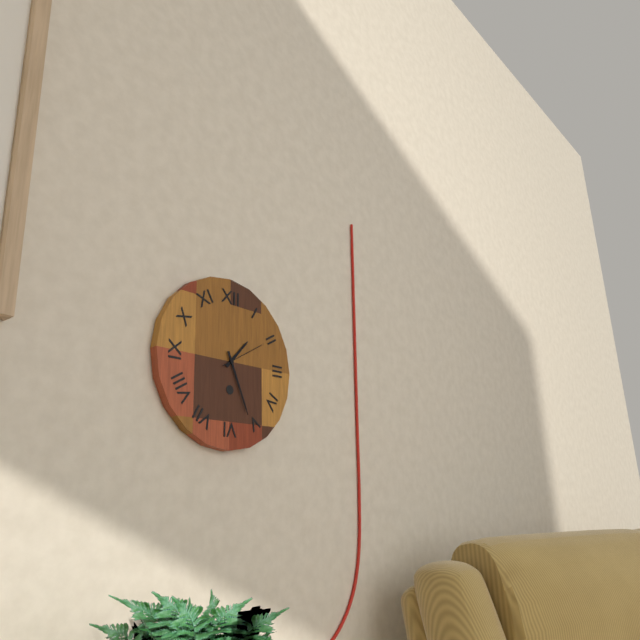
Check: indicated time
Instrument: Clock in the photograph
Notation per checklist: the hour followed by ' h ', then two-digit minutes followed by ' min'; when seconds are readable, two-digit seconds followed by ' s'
1 h 26 min
